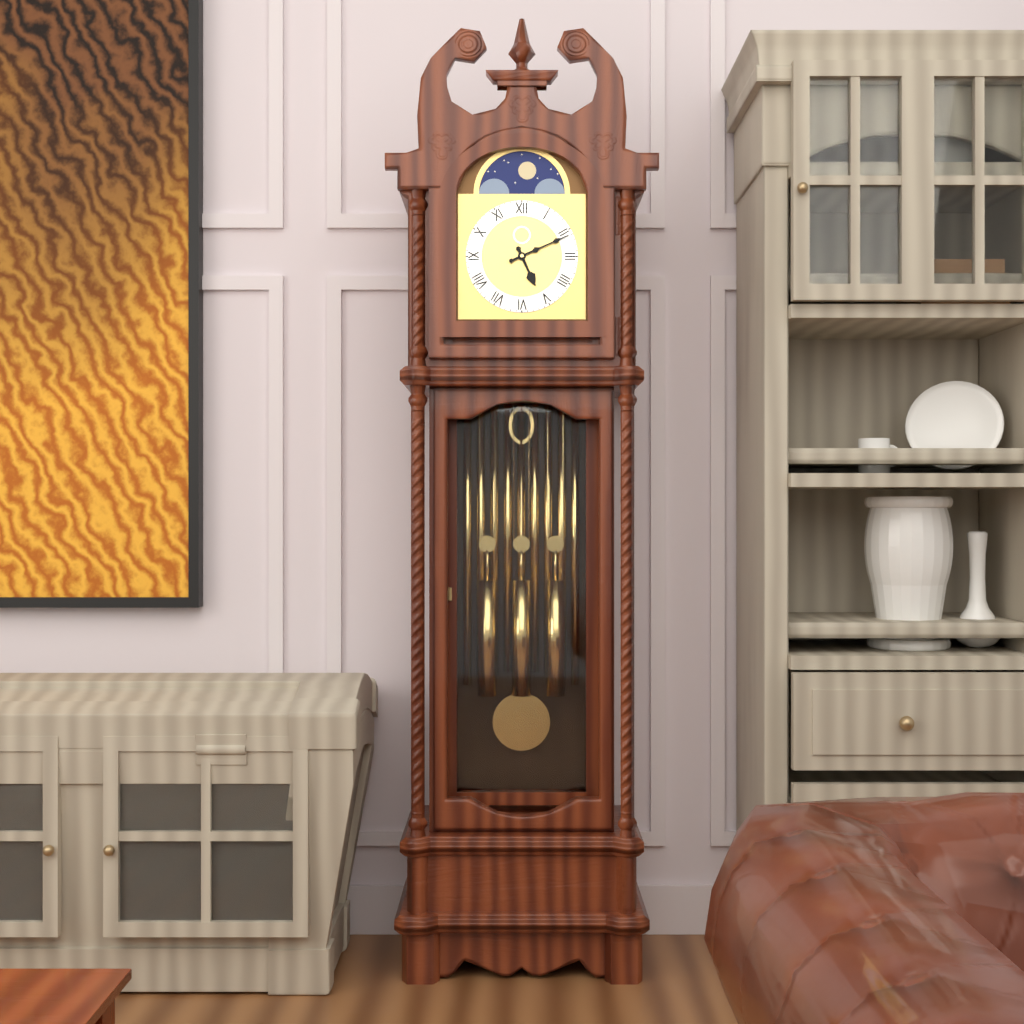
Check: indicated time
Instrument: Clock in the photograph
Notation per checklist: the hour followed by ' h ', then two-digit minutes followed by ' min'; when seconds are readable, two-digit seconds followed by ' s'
5 h 11 min
